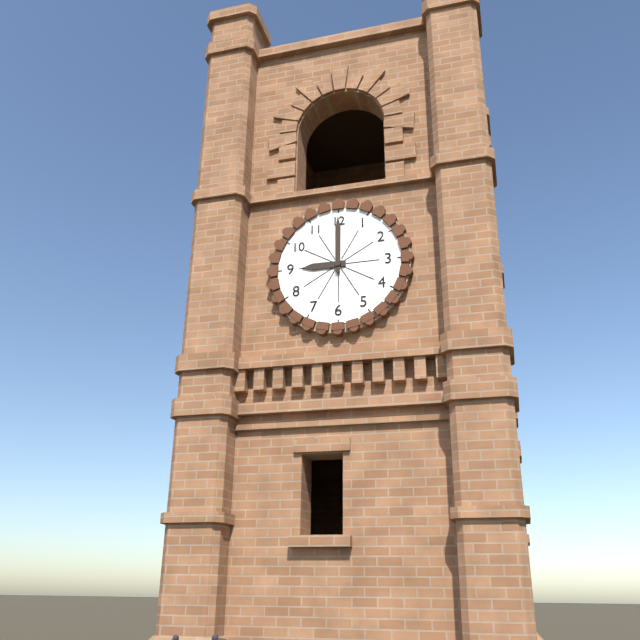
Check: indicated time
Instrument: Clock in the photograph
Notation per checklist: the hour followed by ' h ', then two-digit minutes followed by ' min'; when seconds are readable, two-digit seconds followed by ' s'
9 h 00 min
